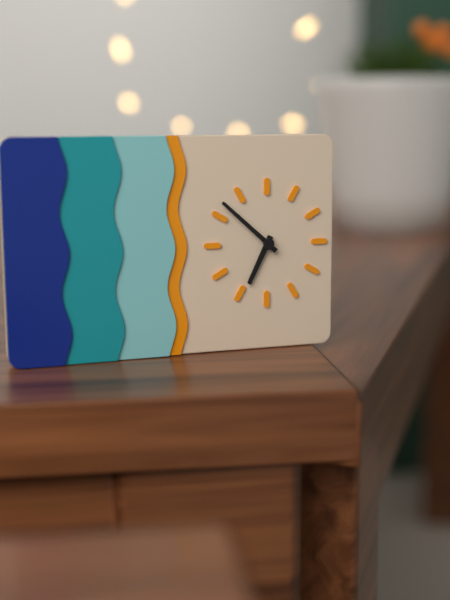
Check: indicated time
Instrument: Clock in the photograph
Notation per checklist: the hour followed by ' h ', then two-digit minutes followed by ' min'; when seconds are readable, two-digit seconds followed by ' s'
6 h 52 min
